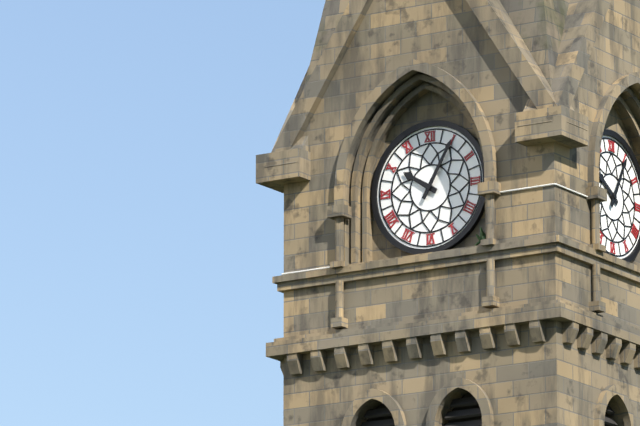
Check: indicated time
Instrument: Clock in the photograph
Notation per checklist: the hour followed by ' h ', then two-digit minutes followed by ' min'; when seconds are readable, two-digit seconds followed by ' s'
10 h 05 min
